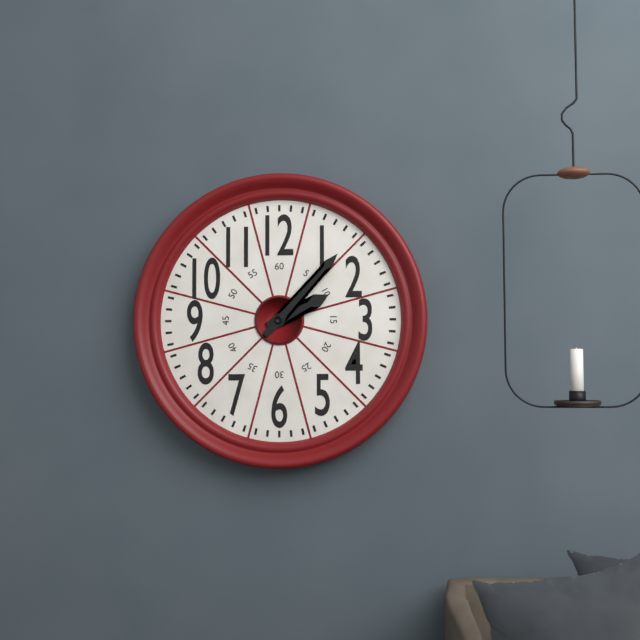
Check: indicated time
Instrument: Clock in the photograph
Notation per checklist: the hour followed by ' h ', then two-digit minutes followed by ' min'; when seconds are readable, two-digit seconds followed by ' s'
2 h 07 min
